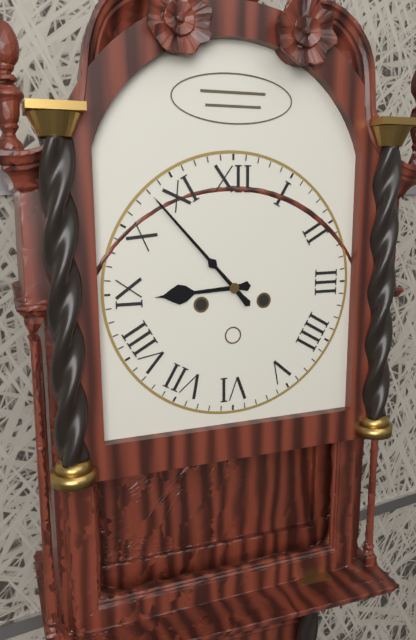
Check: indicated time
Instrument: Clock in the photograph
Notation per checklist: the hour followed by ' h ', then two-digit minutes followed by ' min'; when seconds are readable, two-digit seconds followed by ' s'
8 h 53 min
